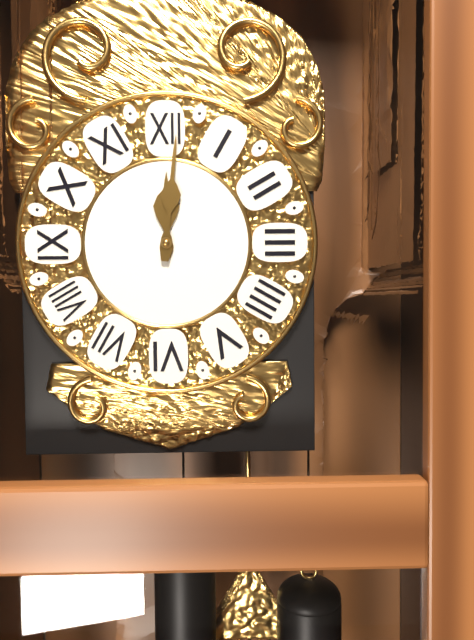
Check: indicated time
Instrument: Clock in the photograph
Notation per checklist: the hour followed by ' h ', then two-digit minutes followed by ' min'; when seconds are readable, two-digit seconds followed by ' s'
12 h 01 min
